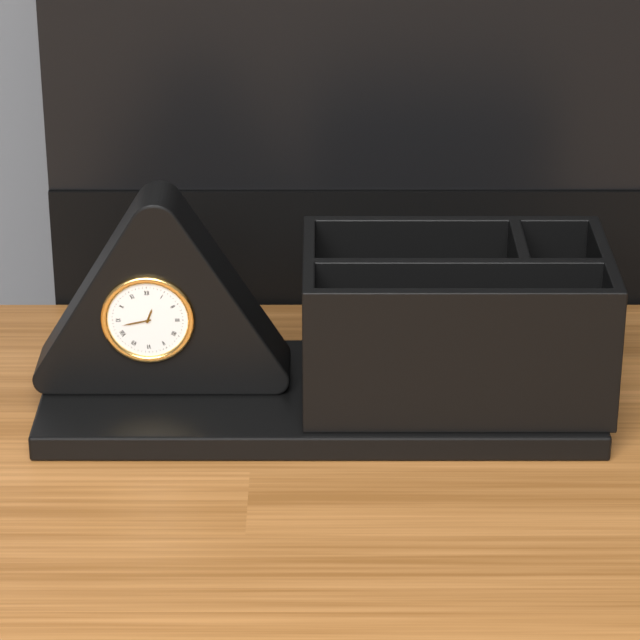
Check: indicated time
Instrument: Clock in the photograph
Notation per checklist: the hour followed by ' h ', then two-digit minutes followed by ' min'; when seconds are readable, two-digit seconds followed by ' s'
12 h 43 min
